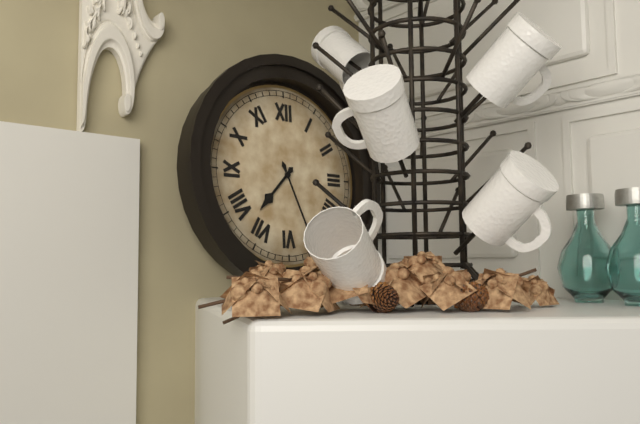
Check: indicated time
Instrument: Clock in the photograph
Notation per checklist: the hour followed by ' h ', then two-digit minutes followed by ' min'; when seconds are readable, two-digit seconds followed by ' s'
7 h 26 min
